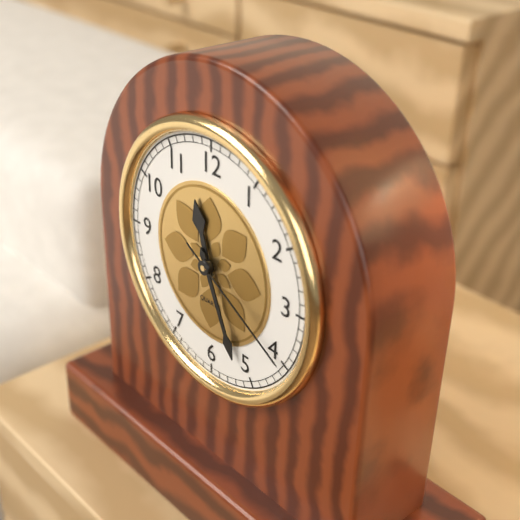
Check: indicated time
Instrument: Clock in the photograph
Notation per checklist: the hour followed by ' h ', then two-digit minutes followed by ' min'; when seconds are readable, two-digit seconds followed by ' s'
11 h 26 min 20 s
